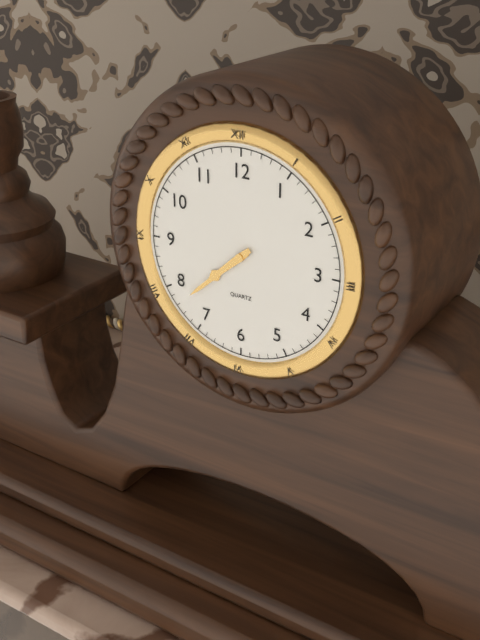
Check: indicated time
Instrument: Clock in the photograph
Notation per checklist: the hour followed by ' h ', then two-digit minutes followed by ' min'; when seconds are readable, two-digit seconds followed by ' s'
7 h 38 min
